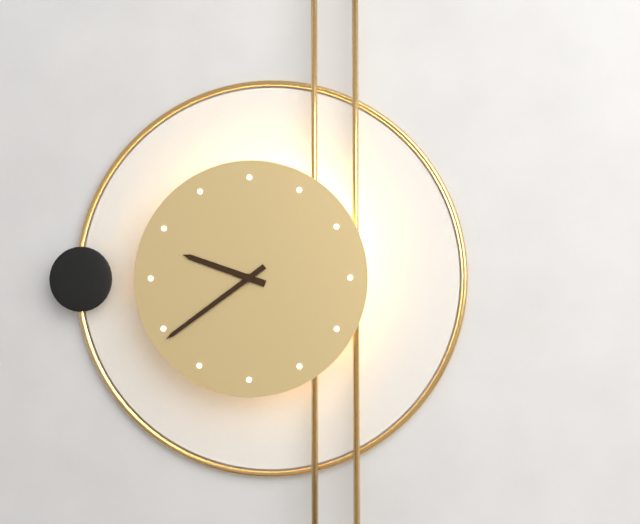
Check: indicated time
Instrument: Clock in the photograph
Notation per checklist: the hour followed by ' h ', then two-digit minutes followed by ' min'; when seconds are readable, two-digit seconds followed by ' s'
9 h 39 min
